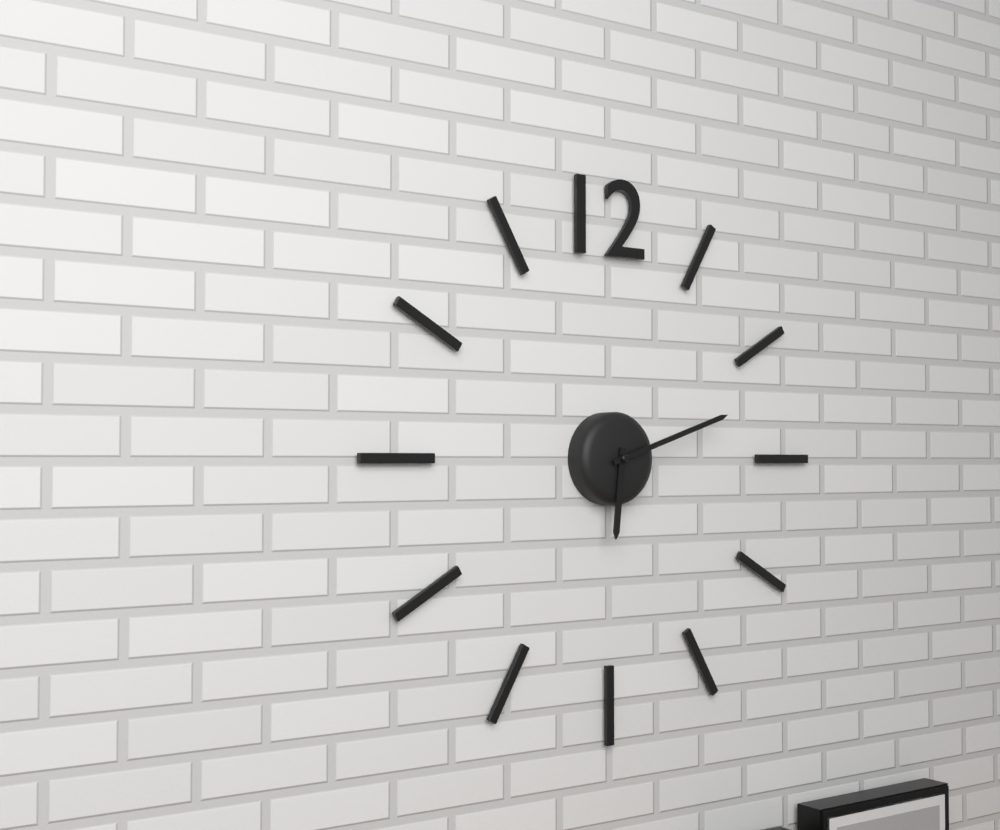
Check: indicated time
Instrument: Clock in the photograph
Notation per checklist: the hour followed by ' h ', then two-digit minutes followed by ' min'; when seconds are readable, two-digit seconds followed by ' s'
6 h 12 min
